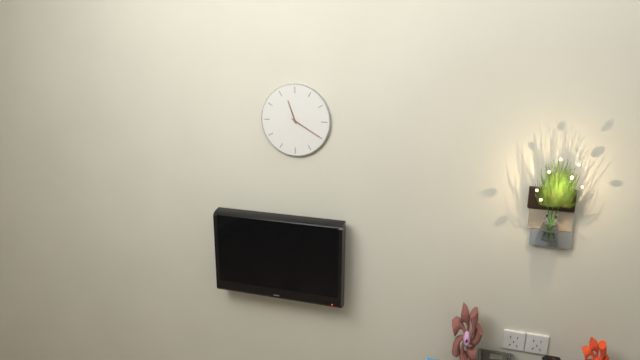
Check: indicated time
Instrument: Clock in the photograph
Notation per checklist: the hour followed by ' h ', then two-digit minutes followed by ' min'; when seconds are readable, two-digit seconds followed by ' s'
11 h 20 min
